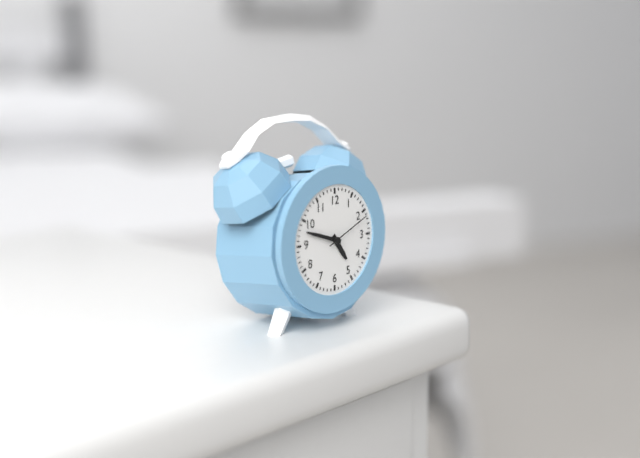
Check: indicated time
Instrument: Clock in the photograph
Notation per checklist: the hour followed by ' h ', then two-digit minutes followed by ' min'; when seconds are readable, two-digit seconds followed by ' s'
4 h 48 min 11 s
